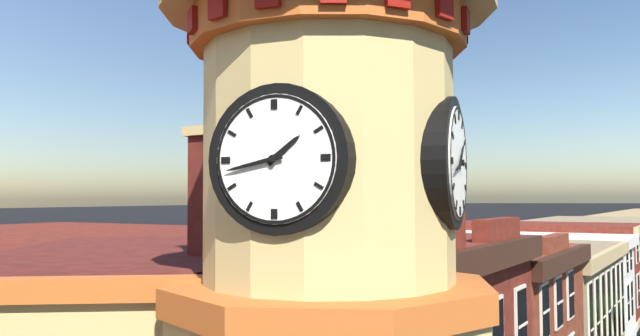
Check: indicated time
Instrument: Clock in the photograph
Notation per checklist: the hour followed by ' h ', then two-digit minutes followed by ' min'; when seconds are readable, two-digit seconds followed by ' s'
1 h 43 min
